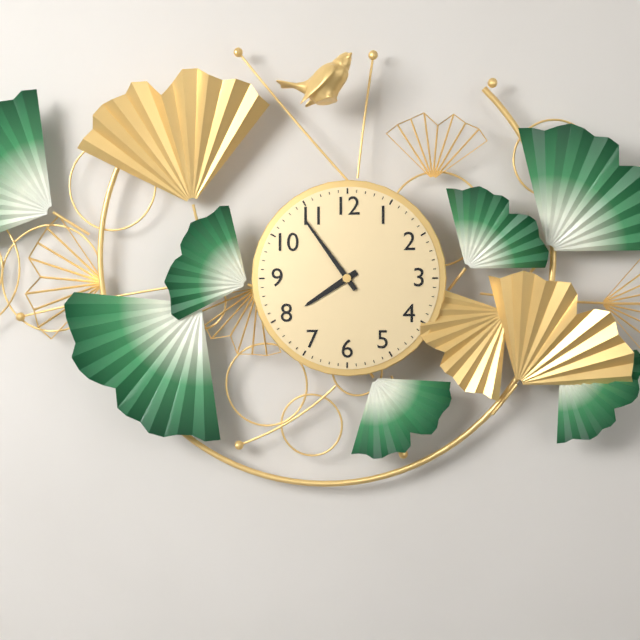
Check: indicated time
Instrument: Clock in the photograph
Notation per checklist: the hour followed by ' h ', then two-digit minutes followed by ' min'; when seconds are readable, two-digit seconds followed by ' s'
7 h 54 min
